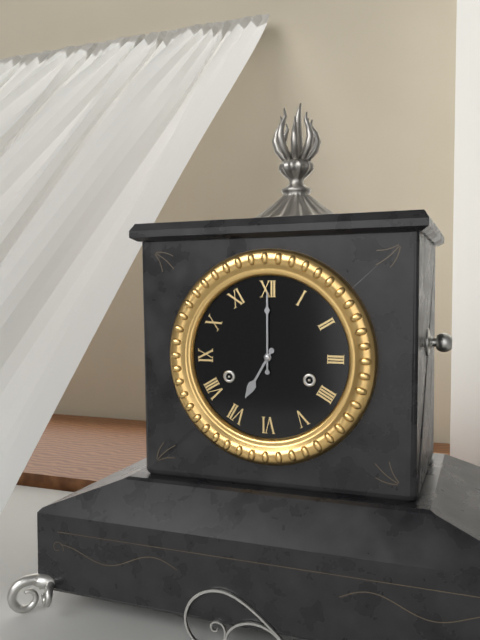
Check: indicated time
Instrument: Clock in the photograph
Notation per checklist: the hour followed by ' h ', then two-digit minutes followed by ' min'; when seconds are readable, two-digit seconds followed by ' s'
7 h 00 min
